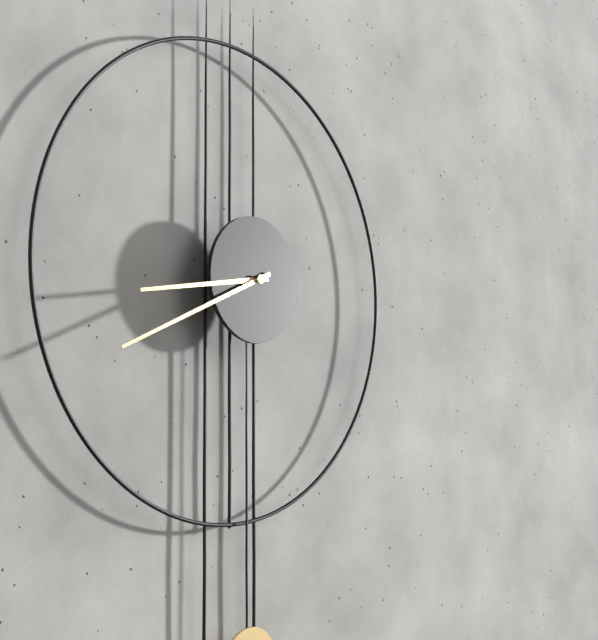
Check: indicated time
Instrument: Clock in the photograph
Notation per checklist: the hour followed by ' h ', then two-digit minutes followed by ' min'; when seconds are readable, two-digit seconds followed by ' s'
8 h 41 min
